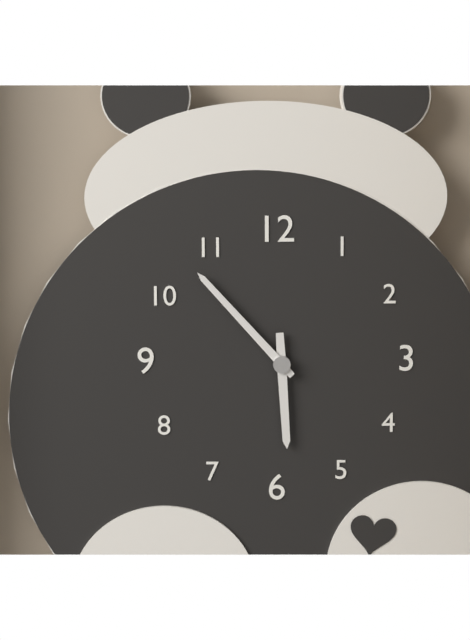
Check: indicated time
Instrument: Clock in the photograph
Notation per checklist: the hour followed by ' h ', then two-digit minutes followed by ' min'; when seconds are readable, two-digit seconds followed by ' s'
5 h 53 min
